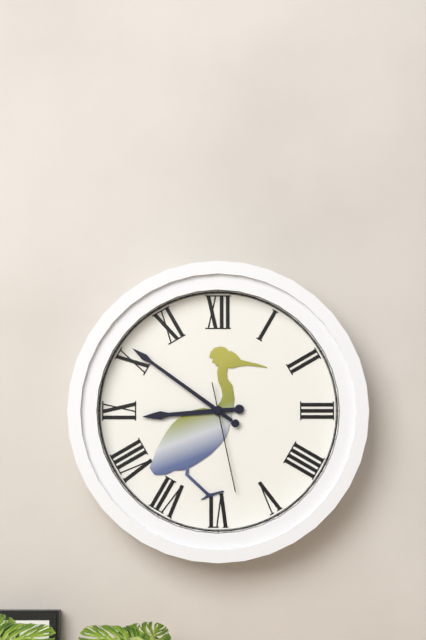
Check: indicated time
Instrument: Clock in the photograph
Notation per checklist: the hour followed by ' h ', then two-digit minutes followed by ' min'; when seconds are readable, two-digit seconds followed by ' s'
8 h 51 min 28 s
